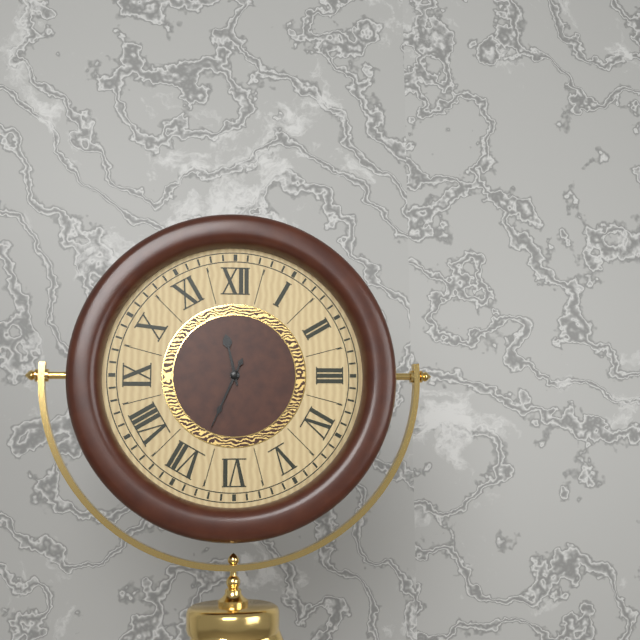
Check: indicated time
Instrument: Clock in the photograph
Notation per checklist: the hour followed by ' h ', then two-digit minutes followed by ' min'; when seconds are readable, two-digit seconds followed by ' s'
11 h 34 min
